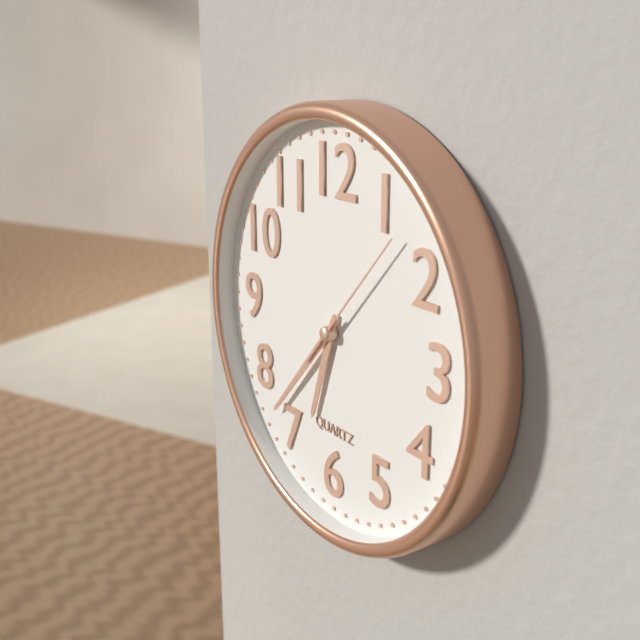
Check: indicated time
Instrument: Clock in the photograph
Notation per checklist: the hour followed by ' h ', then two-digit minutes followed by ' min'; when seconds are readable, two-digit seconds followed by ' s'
6 h 37 min 07 s
